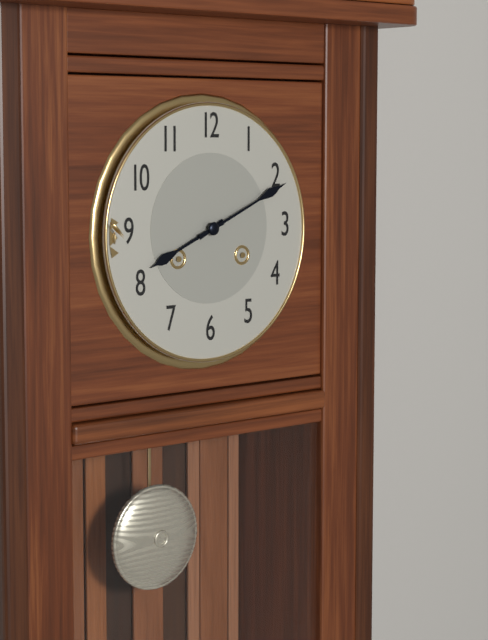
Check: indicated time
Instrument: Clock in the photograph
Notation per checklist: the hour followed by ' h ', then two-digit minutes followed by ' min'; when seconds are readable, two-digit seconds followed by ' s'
8 h 11 min
